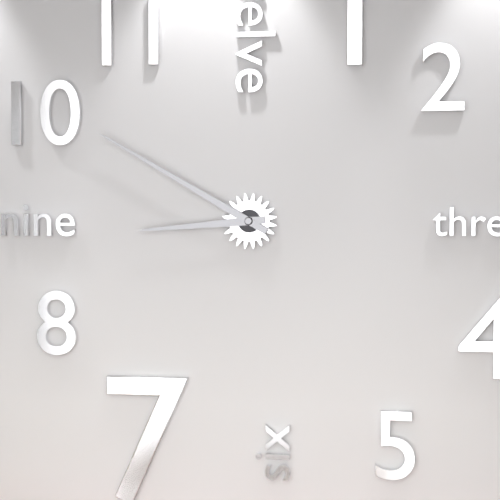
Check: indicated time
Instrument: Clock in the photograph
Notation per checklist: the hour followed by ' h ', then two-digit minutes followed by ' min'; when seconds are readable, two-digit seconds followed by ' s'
8 h 50 min
